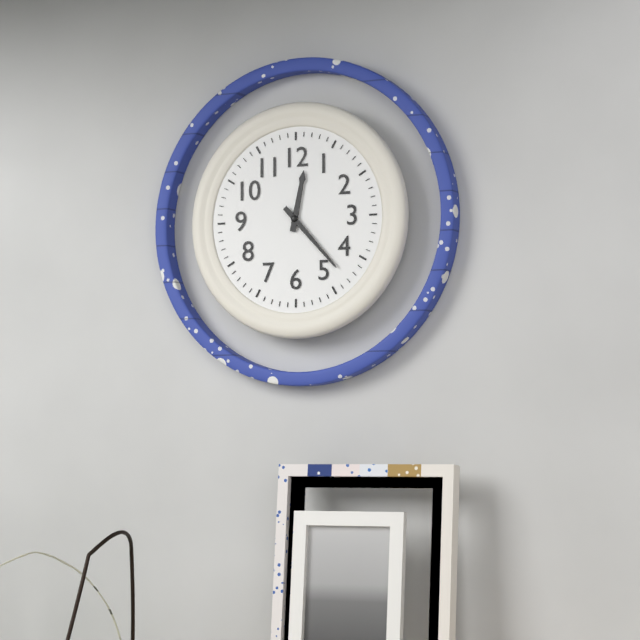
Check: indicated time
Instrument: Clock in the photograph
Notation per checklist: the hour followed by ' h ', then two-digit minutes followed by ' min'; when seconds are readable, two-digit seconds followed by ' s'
12 h 23 min
